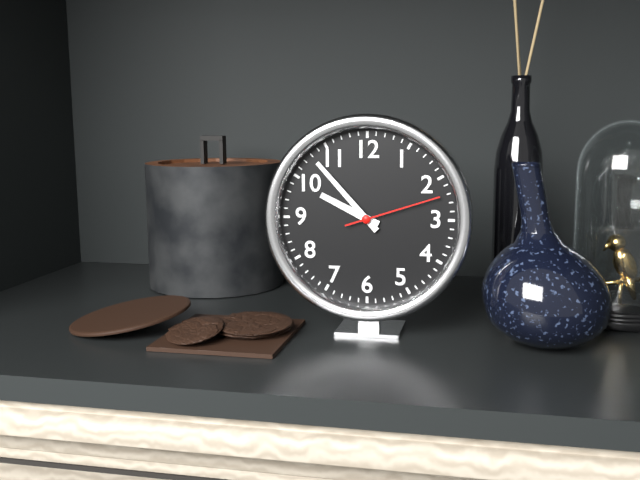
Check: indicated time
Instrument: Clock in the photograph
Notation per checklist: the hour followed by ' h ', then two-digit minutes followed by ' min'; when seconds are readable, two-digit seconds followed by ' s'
9 h 53 min 12 s
